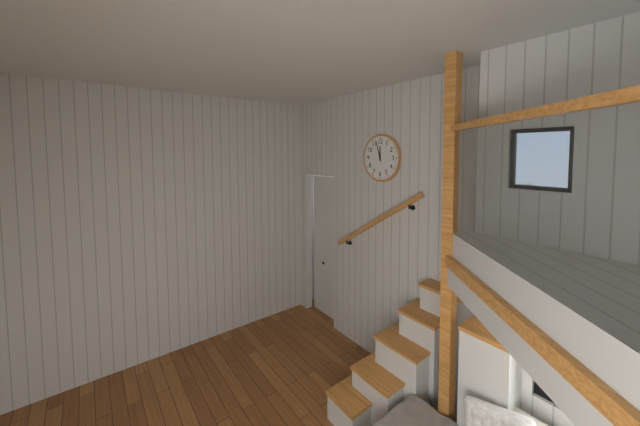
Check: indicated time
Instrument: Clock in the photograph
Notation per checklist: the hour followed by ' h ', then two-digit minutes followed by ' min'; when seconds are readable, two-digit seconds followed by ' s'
11 h 57 min
